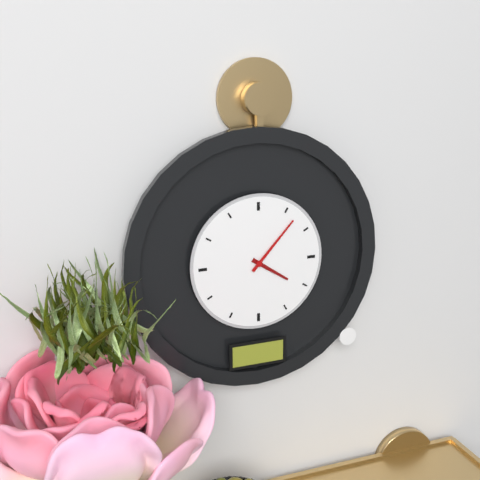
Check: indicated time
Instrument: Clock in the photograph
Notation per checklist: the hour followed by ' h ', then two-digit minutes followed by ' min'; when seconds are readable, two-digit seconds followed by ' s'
4 h 07 min
